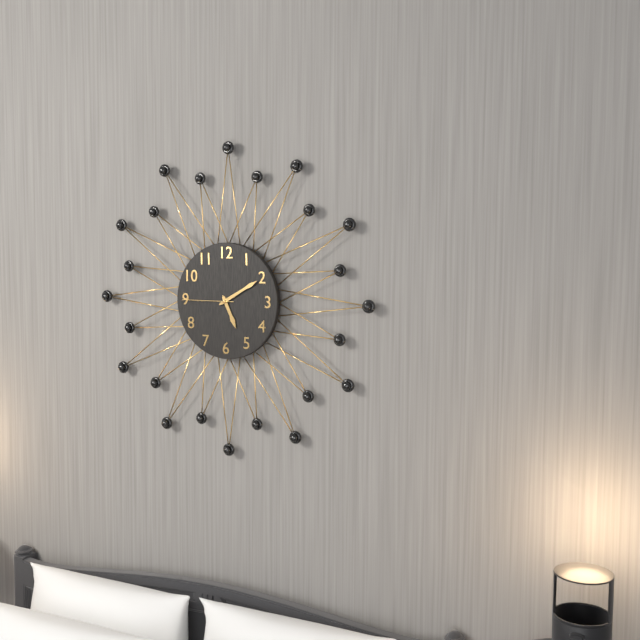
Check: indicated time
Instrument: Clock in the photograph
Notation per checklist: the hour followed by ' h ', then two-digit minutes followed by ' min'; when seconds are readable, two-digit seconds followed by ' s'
5 h 10 min 45 s
